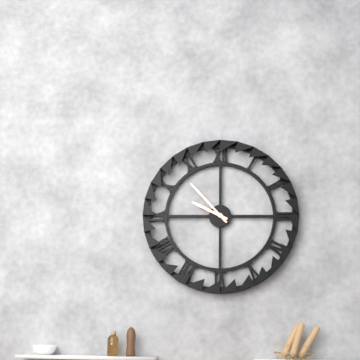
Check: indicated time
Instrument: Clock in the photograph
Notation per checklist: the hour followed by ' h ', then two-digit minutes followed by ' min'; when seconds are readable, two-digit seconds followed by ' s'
9 h 53 min
